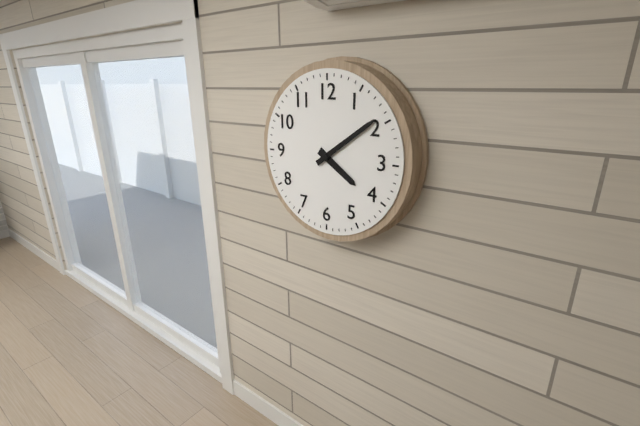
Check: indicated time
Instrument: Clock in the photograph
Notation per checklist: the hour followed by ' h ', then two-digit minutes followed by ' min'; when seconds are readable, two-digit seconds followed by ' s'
4 h 09 min
